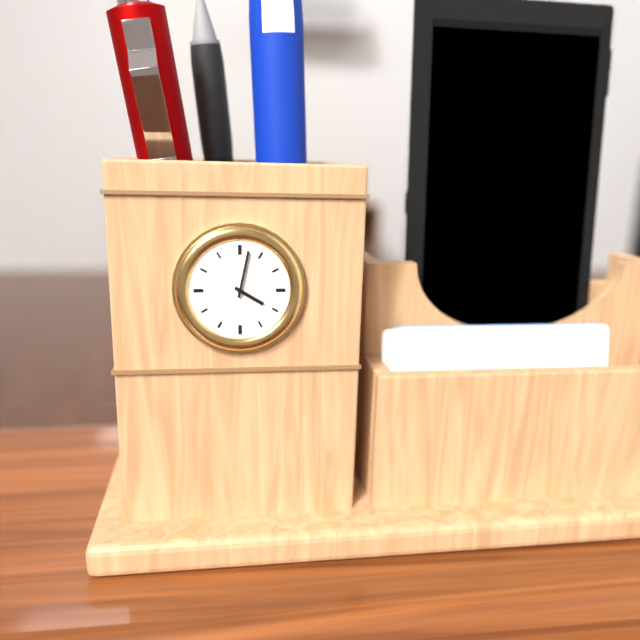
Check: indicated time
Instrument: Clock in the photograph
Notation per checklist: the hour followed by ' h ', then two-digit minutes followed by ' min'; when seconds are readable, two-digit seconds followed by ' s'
4 h 02 min
